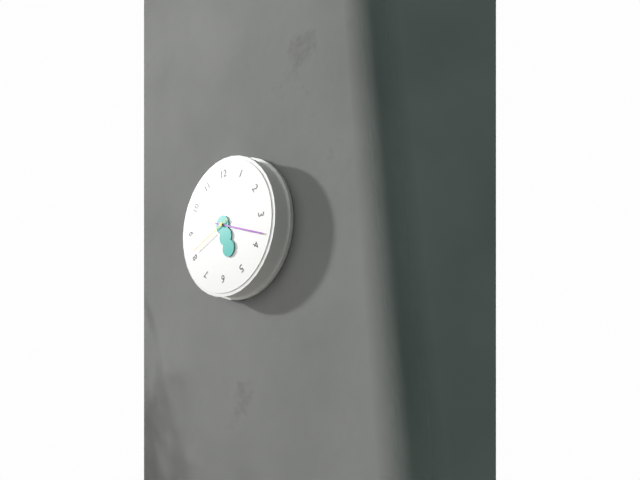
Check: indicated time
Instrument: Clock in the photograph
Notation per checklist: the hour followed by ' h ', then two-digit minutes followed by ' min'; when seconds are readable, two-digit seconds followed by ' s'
5 h 18 min 41 s
